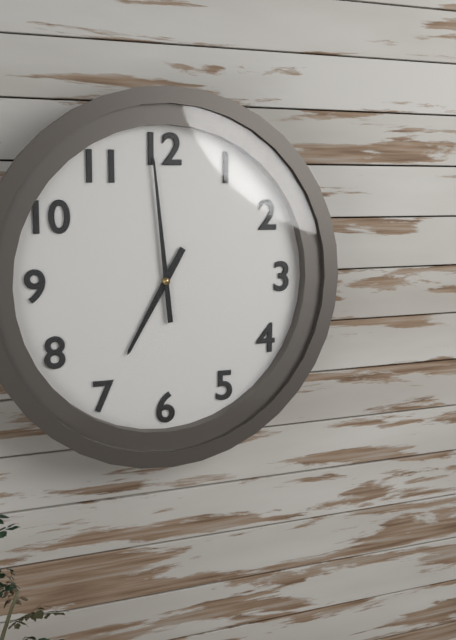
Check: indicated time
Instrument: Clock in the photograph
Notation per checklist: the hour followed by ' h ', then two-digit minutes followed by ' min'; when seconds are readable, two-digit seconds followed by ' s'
6 h 59 min
